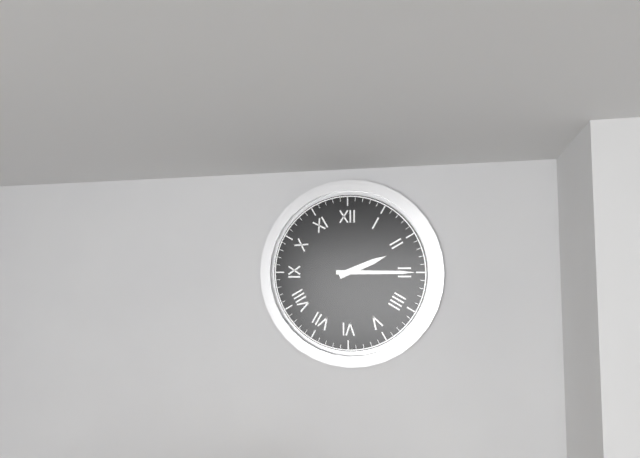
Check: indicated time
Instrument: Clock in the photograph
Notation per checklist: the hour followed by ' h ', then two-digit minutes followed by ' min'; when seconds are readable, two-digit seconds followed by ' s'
2 h 15 min
